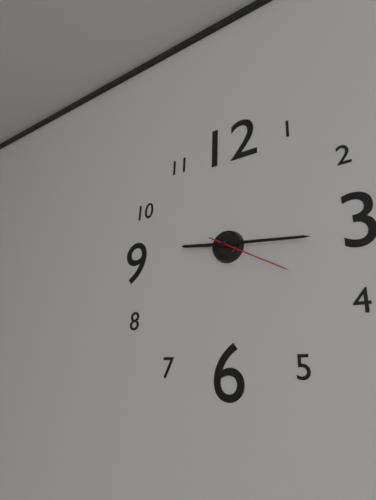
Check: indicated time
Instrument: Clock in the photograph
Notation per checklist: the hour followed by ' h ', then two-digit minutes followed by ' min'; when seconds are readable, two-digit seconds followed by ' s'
9 h 16 min 20 s
